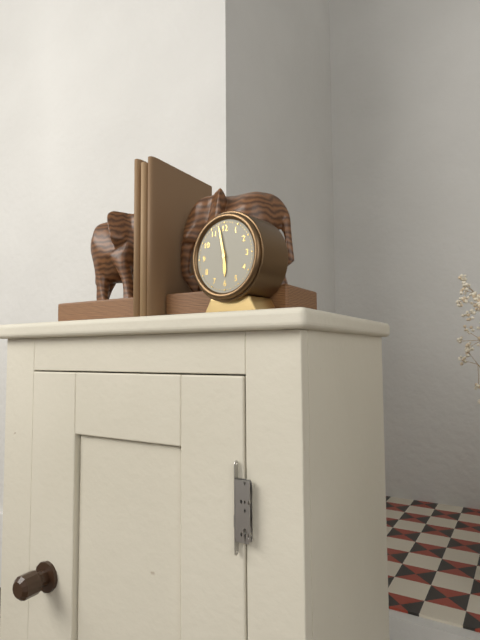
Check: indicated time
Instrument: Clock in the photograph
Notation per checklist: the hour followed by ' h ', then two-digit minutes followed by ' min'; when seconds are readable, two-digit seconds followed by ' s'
5 h 58 min
